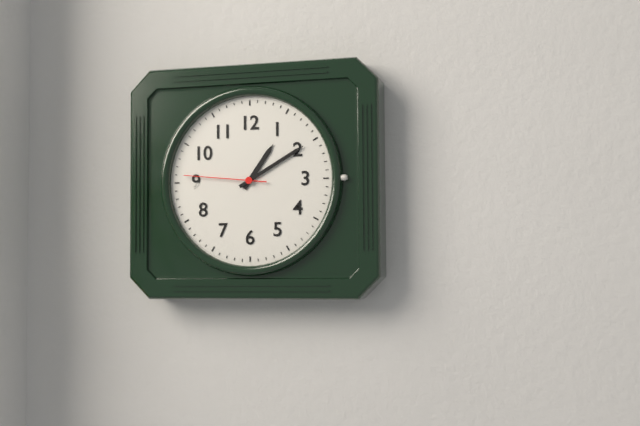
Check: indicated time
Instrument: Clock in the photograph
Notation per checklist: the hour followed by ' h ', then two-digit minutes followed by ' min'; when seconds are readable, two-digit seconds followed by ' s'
1 h 10 min 46 s
